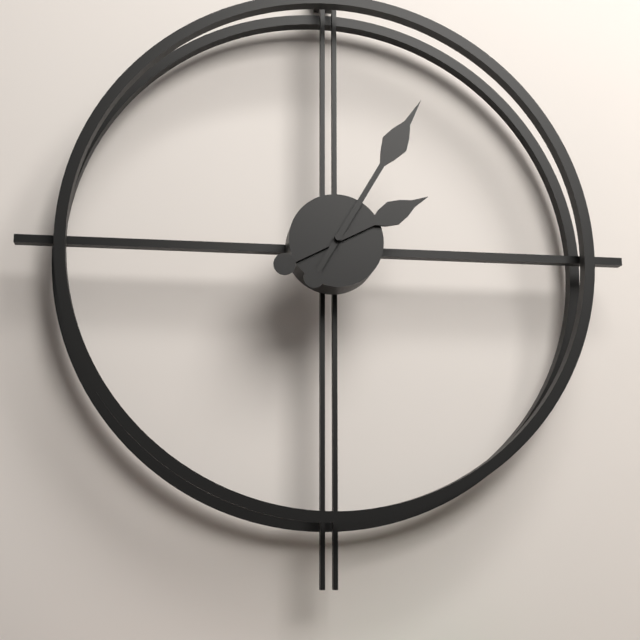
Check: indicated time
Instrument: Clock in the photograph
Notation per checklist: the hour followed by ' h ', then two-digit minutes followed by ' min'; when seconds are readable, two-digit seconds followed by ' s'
2 h 05 min
